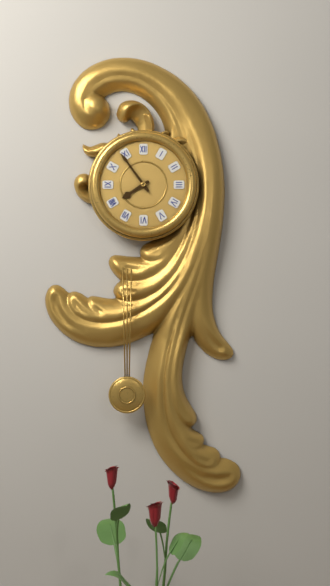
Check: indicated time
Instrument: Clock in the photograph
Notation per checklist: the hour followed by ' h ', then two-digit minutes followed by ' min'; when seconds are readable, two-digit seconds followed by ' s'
7 h 54 min
